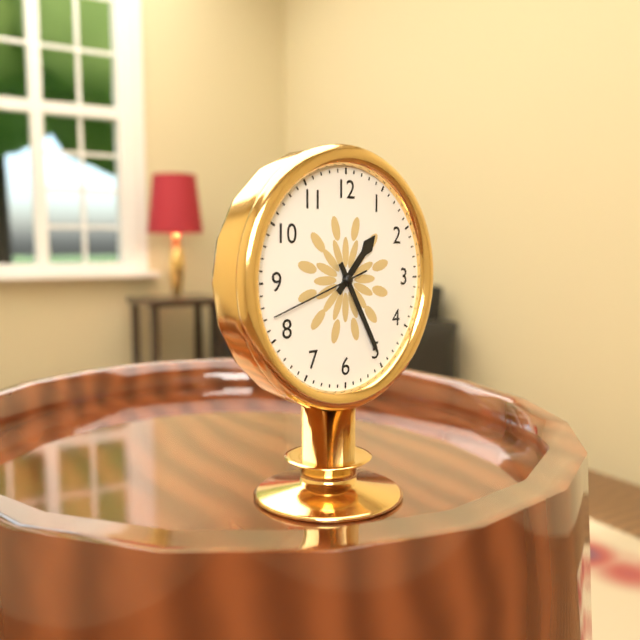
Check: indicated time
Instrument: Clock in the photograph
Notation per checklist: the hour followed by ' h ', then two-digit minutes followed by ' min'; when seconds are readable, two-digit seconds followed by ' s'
1 h 25 min 42 s
